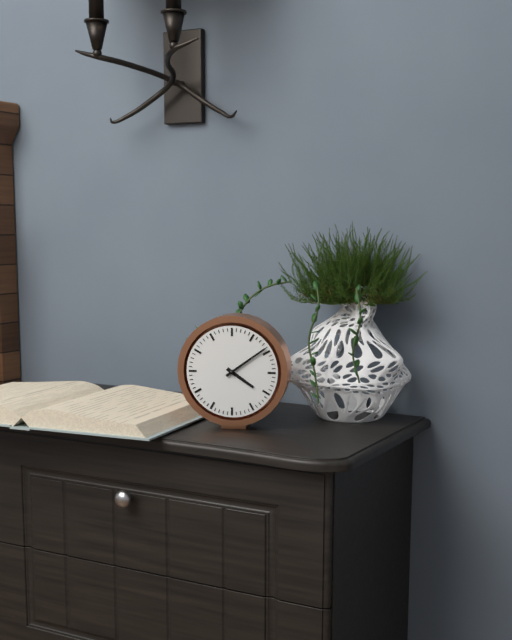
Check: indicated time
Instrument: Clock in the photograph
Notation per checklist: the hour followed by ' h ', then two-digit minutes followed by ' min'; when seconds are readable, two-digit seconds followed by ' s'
4 h 09 min
